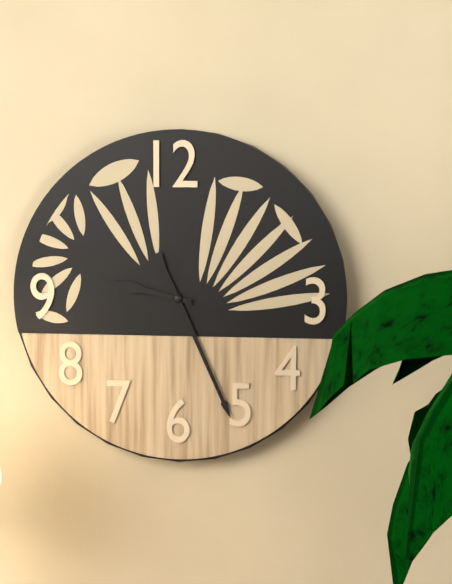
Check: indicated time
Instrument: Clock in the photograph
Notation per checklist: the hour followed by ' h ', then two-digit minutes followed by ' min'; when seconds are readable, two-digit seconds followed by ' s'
9 h 26 min
